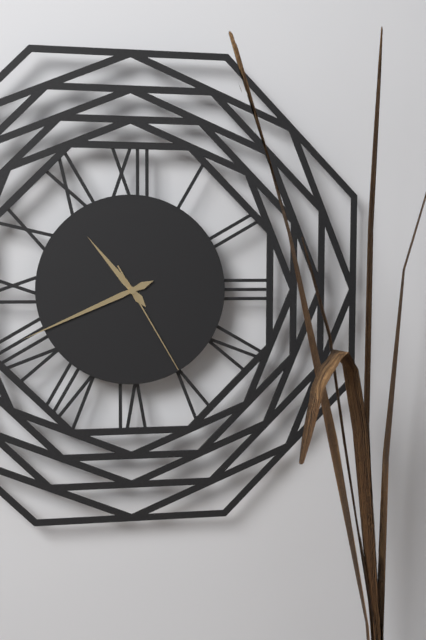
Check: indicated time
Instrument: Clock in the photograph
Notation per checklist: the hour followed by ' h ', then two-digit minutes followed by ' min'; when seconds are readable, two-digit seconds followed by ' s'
10 h 41 min 25 s
